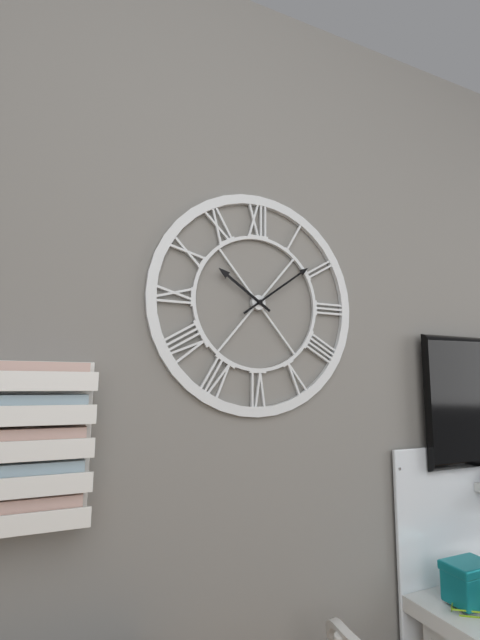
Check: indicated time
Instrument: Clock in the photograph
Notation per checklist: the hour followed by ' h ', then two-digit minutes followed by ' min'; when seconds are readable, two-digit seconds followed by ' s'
10 h 09 min
